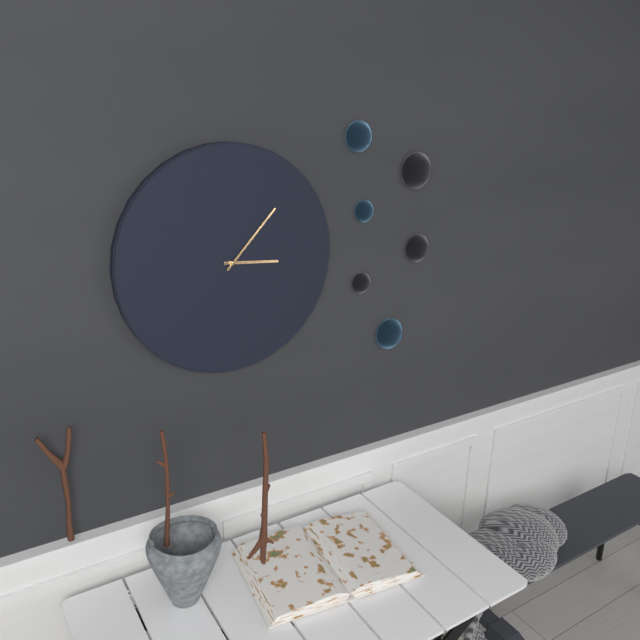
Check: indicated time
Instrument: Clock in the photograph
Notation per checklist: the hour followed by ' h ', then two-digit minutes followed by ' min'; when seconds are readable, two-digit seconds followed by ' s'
3 h 07 min
